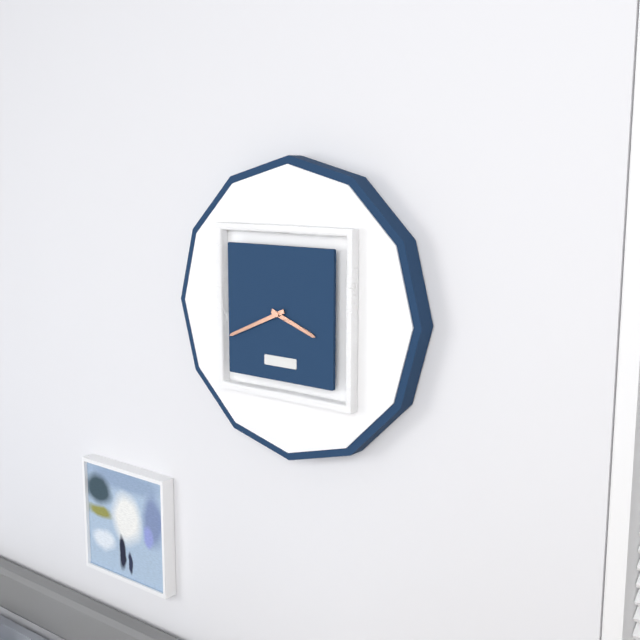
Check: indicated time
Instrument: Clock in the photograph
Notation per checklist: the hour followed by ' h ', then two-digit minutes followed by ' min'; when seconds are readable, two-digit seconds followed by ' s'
3 h 41 min
